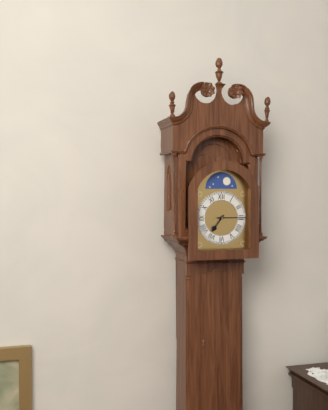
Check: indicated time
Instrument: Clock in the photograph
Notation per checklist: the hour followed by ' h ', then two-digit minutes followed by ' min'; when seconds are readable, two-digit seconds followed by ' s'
7 h 15 min
